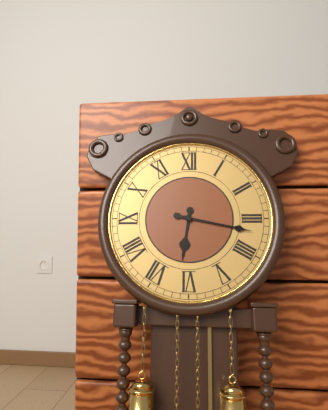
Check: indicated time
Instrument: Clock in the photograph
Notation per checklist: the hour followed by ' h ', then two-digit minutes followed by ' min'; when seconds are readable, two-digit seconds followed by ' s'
6 h 17 min
